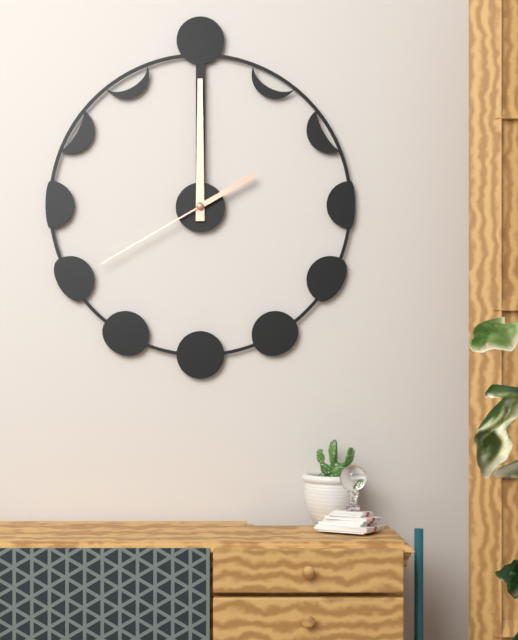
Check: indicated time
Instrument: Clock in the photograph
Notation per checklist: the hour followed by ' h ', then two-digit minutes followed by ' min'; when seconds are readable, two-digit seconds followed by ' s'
12 h 00 min 40 s
